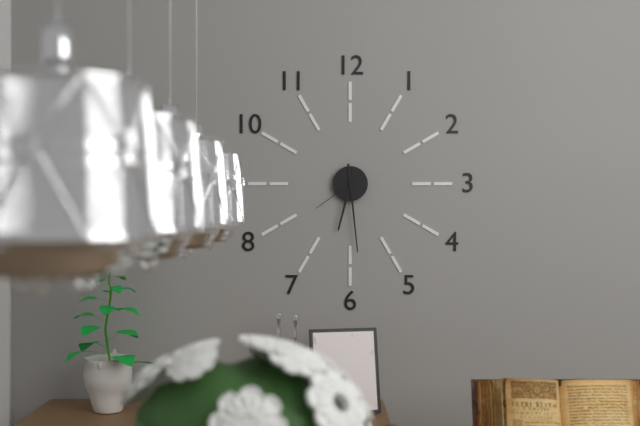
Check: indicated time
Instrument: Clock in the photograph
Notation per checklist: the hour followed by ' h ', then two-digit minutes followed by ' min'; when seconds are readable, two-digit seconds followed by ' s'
6 h 29 min 39 s
